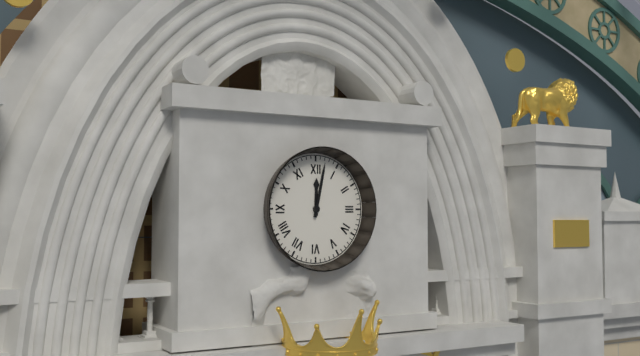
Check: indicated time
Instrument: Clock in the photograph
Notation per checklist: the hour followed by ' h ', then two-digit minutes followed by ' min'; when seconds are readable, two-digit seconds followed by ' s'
12 h 02 min
